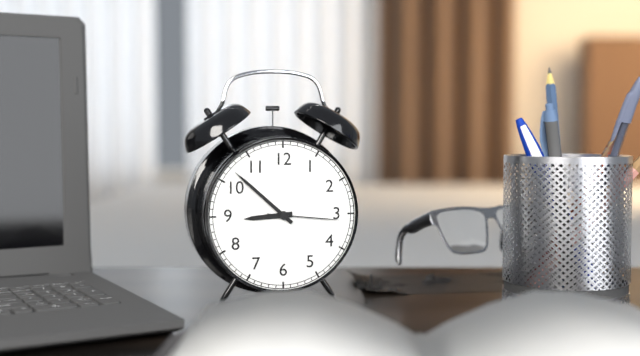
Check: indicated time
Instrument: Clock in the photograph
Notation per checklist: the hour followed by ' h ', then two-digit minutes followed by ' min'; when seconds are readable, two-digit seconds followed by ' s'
8 h 52 min 16 s
